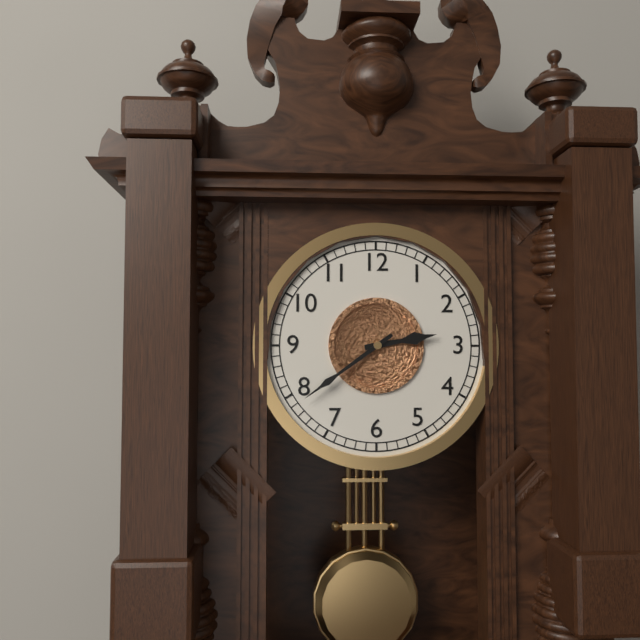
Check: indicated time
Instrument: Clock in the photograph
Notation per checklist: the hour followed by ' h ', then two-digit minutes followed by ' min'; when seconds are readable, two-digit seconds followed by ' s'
2 h 39 min
